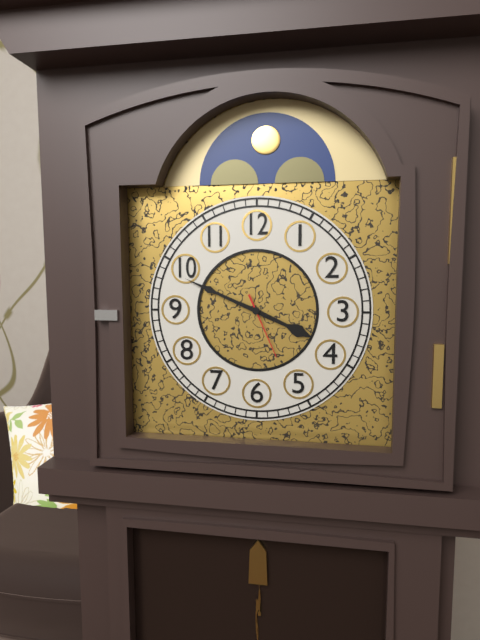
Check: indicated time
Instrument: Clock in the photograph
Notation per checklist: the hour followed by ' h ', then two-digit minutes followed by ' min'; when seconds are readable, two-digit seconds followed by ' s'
3 h 49 min 26 s
